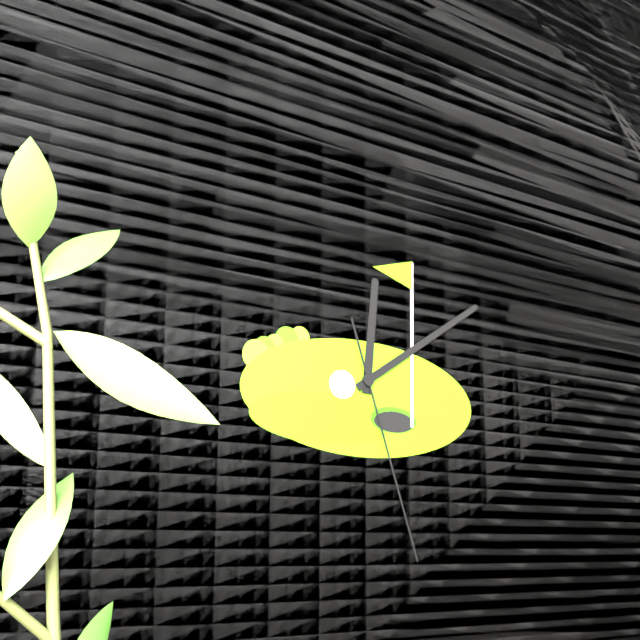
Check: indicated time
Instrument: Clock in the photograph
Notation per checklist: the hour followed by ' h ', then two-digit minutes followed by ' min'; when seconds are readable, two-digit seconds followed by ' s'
12 h 09 min 27 s
